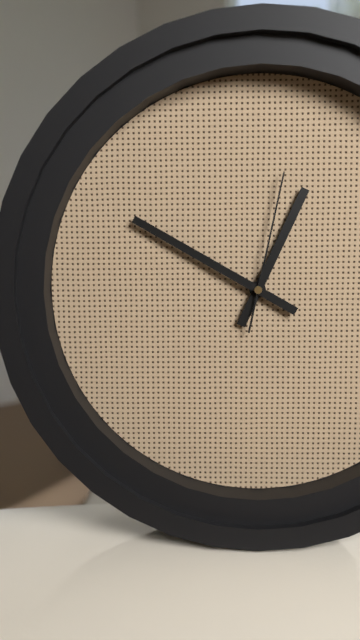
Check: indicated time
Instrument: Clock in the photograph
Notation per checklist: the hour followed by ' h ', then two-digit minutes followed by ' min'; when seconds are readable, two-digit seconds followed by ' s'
12 h 50 min 02 s
